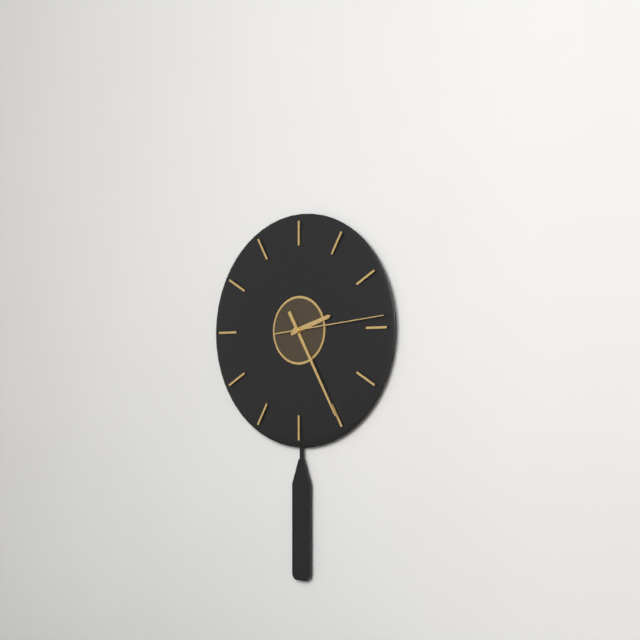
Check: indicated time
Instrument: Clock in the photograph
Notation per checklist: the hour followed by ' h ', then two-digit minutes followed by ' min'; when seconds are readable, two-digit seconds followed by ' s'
2 h 25 min 14 s
